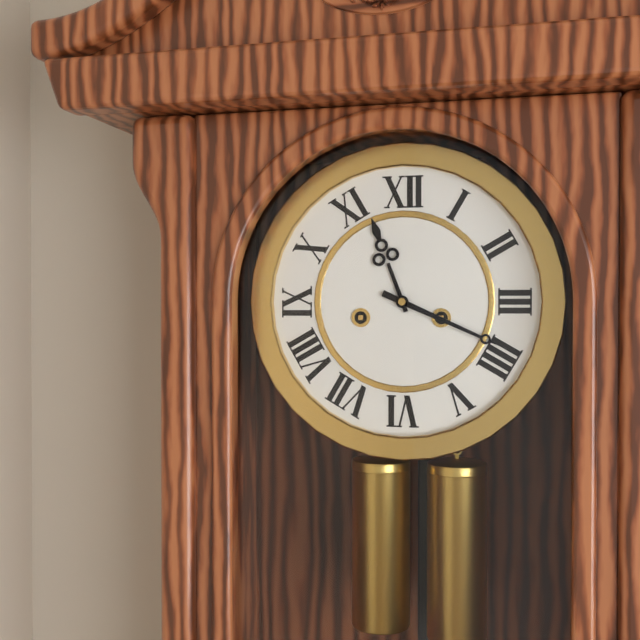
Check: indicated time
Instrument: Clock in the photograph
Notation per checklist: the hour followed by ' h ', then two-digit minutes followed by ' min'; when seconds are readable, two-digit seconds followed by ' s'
11 h 19 min
